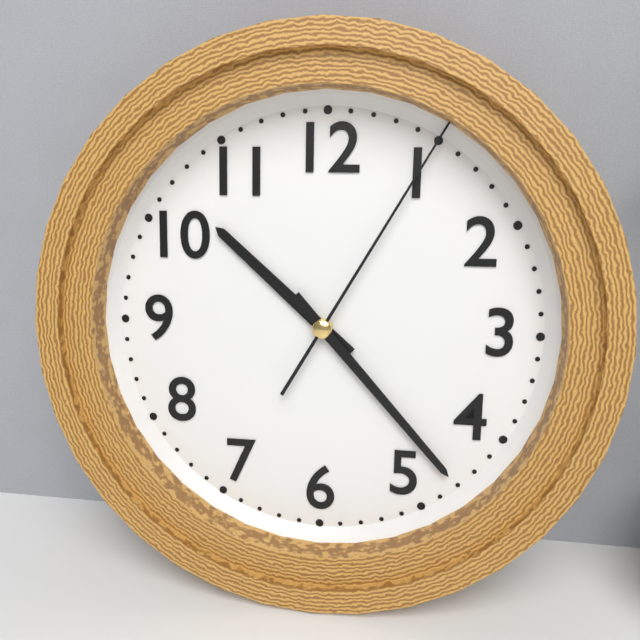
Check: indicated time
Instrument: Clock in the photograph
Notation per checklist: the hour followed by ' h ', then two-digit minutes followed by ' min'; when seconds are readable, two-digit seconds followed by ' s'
10 h 23 min 05 s
